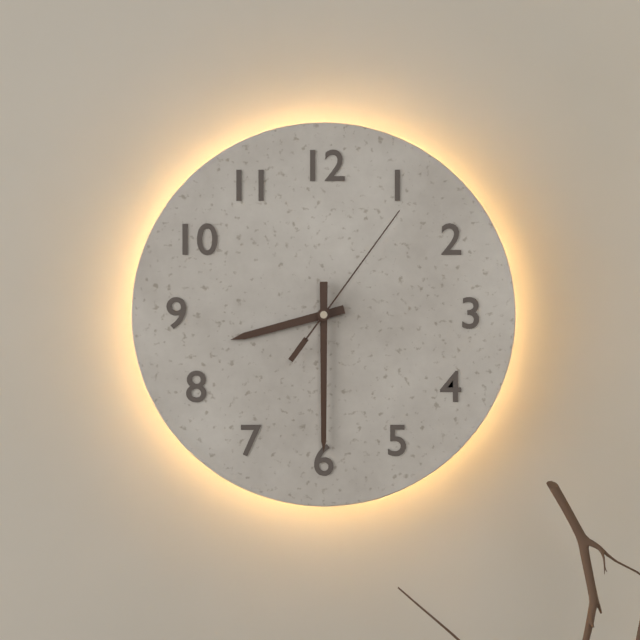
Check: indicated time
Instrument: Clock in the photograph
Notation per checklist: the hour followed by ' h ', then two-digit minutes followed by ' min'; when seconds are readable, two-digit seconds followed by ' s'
8 h 30 min 06 s
